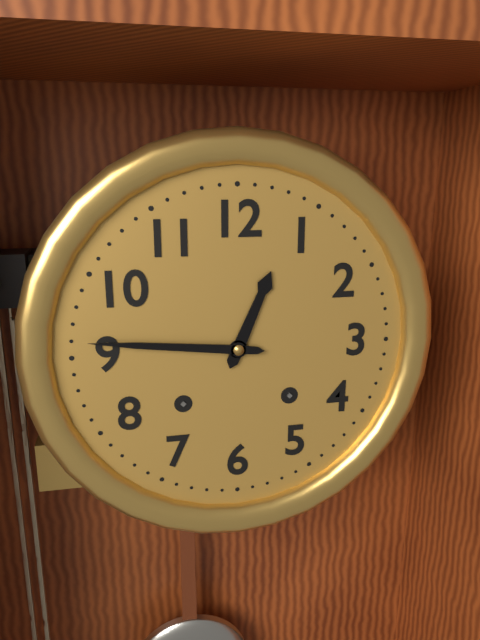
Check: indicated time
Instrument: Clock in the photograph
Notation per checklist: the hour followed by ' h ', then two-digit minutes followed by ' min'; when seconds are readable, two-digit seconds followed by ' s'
12 h 46 min
